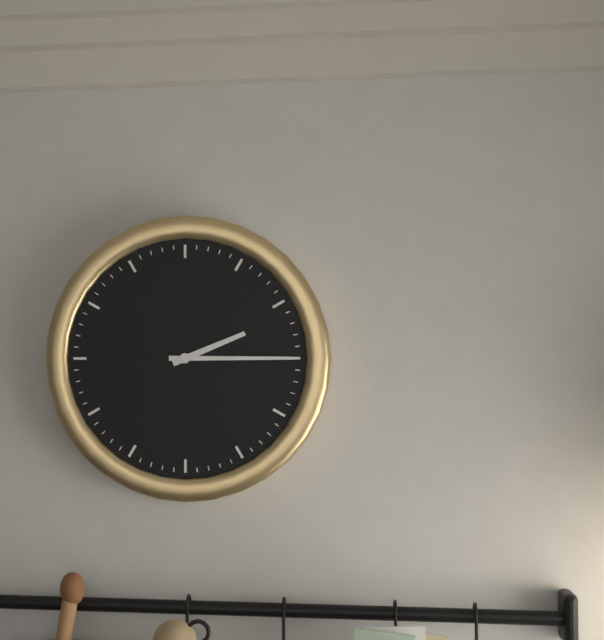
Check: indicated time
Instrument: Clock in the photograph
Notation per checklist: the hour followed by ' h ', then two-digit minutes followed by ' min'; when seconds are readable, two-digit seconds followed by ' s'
2 h 15 min
